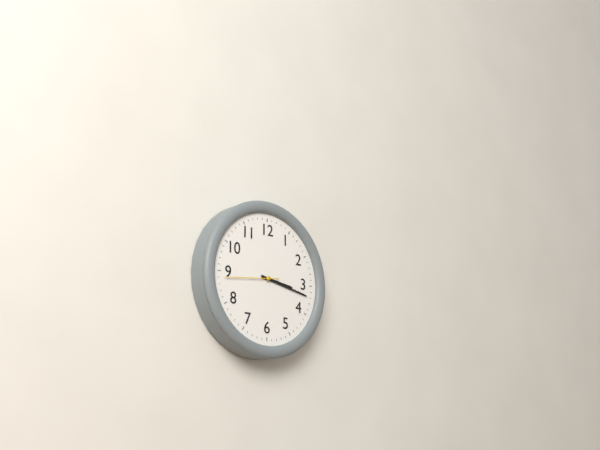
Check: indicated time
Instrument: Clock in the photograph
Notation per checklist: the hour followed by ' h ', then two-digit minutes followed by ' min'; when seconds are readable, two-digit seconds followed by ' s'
3 h 17 min 44 s
